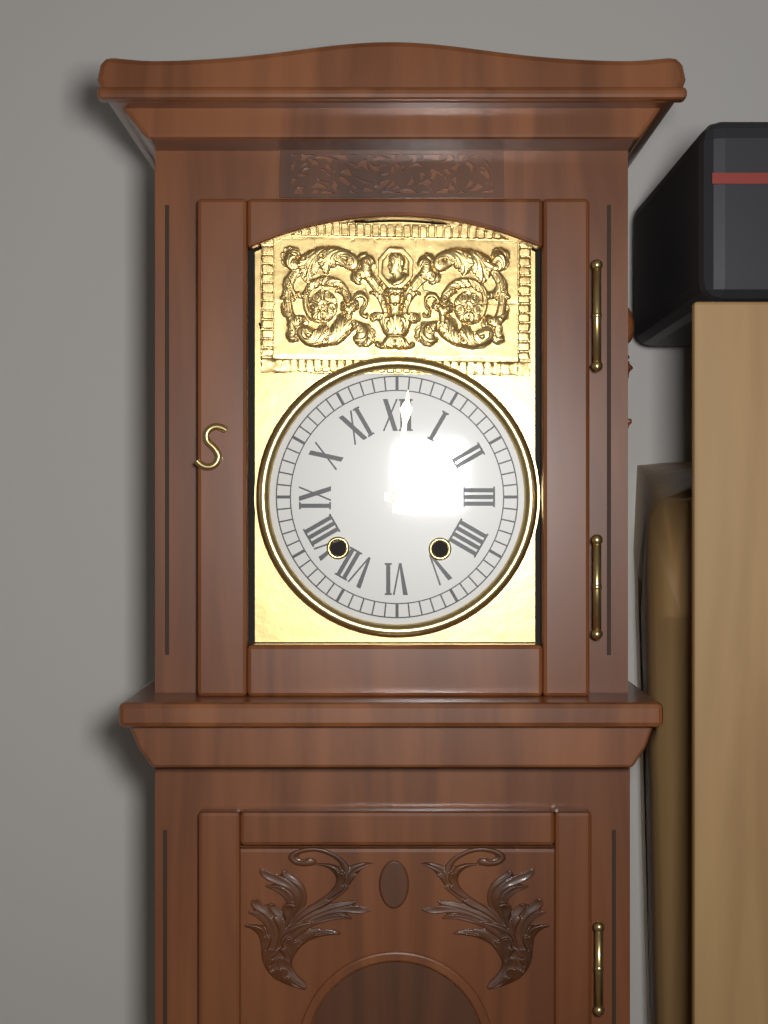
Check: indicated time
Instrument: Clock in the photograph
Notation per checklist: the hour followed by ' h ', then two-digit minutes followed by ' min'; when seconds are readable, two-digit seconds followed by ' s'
3 h 01 min
